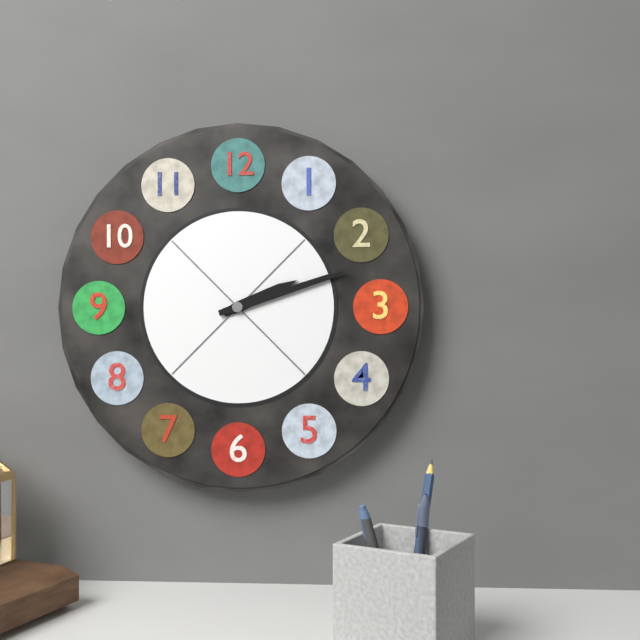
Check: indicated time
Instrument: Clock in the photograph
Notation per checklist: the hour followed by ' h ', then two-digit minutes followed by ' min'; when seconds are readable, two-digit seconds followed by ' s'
2 h 12 min
